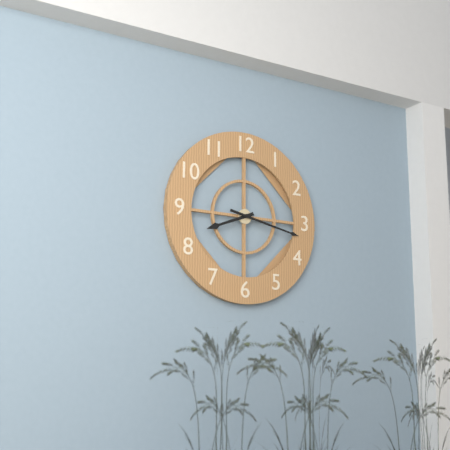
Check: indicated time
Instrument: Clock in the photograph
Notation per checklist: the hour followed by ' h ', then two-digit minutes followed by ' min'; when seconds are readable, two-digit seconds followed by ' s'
8 h 17 min
